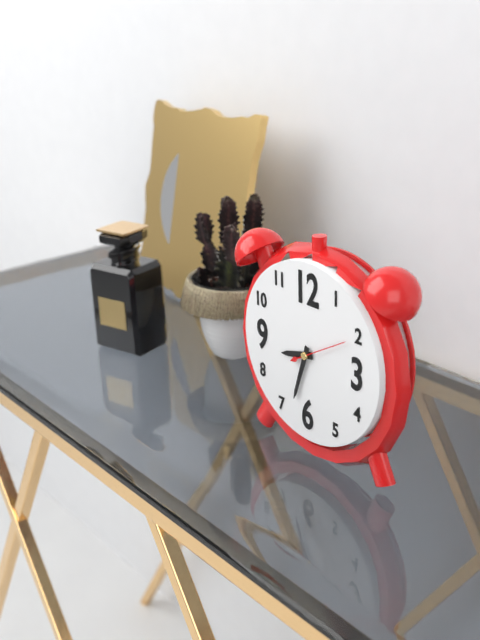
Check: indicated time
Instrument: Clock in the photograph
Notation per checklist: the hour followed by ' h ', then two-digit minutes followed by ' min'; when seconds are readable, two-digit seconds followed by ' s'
8 h 33 min
